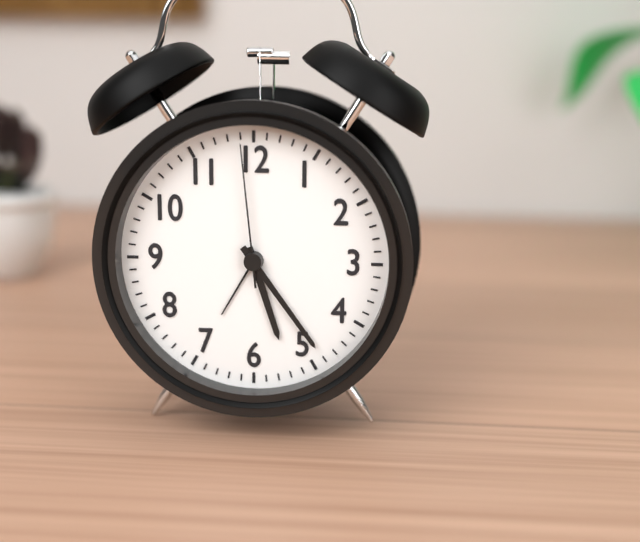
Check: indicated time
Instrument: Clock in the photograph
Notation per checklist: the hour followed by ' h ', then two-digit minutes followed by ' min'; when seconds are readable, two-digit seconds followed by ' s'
5 h 24 min 59 s
